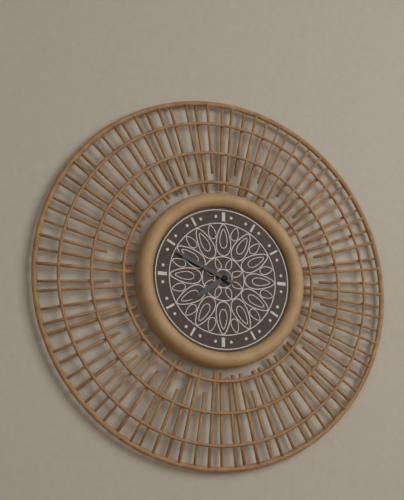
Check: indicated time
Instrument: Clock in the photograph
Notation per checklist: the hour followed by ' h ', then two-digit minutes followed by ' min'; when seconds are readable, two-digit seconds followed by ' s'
7 h 49 min
